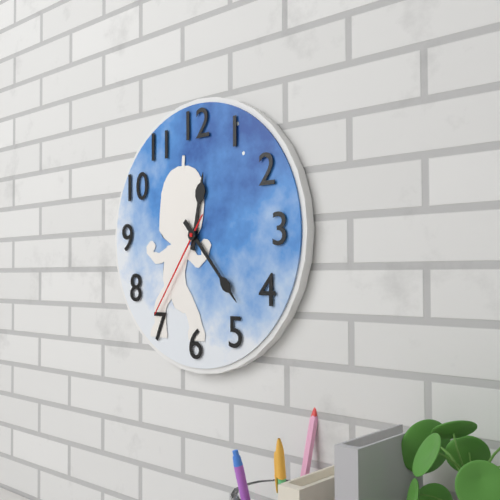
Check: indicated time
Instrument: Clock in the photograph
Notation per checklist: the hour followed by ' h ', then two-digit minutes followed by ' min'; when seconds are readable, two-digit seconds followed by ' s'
12 h 23 min 36 s
